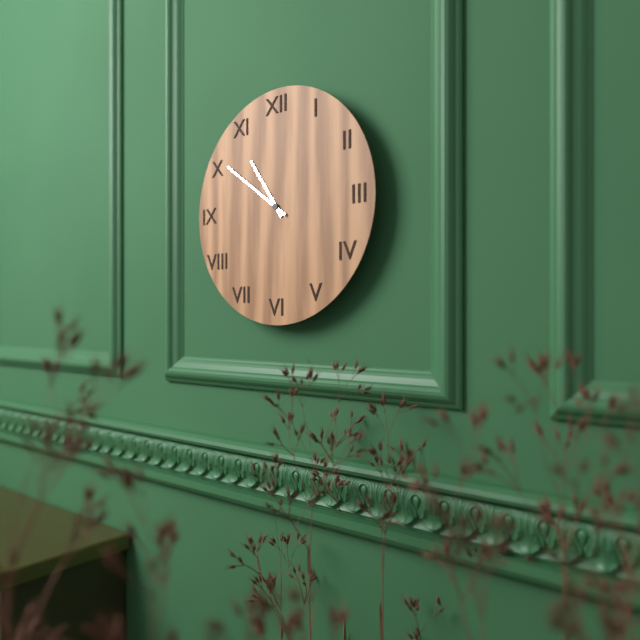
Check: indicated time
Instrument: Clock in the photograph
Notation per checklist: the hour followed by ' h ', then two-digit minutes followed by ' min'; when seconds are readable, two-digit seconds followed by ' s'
10 h 51 min
